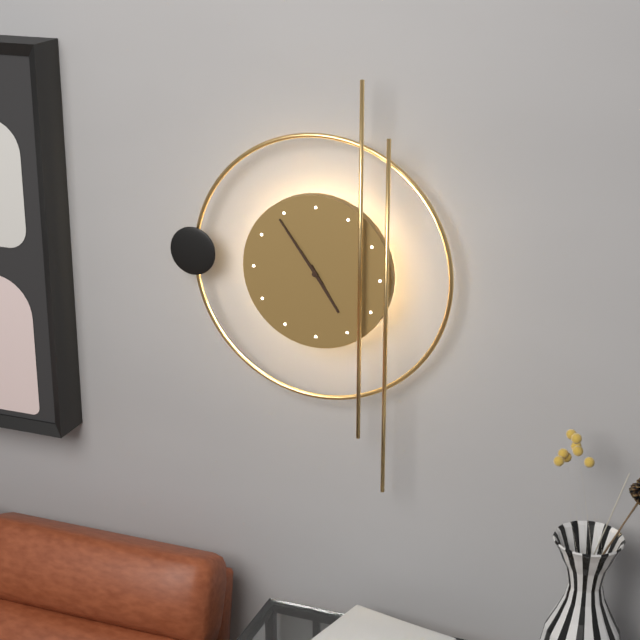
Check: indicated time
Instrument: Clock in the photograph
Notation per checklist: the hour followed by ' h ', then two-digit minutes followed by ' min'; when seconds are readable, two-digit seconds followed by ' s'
4 h 54 min
